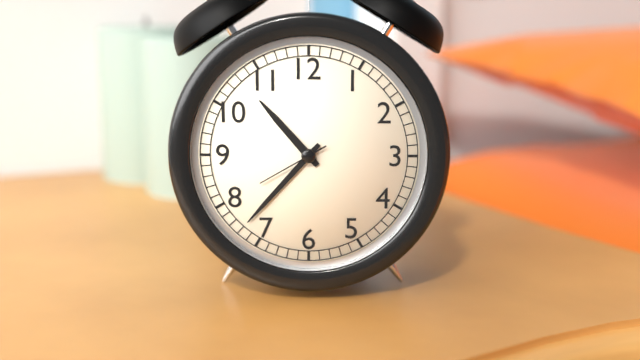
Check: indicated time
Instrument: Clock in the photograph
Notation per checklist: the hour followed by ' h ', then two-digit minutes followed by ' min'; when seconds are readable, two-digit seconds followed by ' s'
10 h 37 min 40 s
